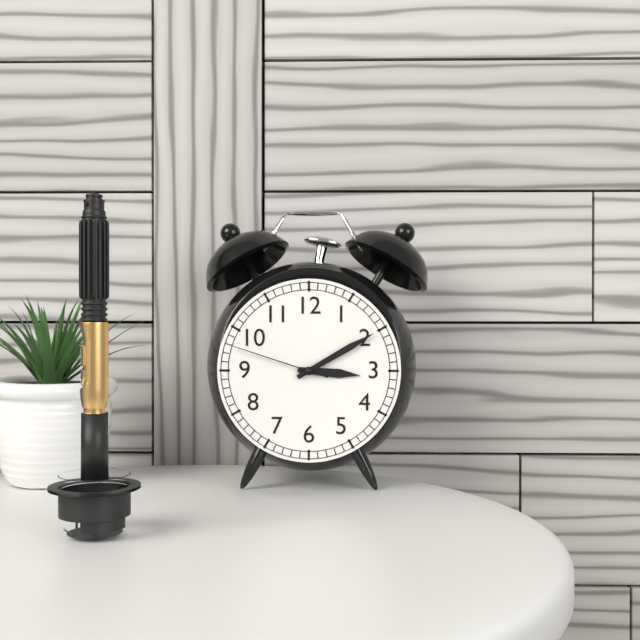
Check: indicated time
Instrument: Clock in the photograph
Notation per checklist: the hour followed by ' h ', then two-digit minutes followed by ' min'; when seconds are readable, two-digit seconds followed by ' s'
3 h 10 min 48 s
